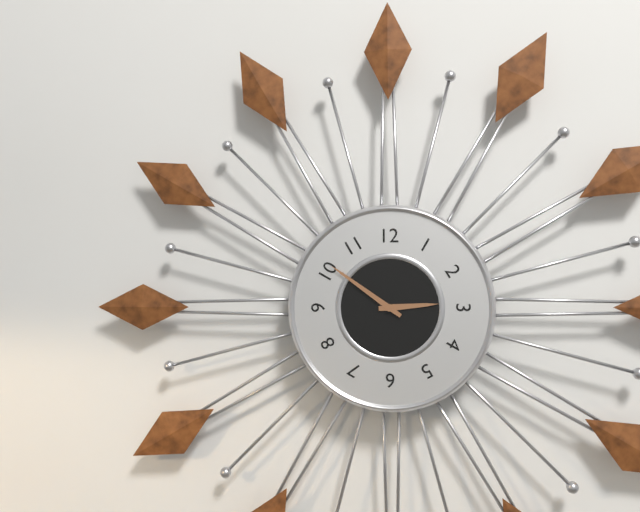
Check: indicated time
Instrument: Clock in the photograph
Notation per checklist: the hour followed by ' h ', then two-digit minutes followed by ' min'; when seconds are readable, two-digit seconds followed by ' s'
2 h 51 min
